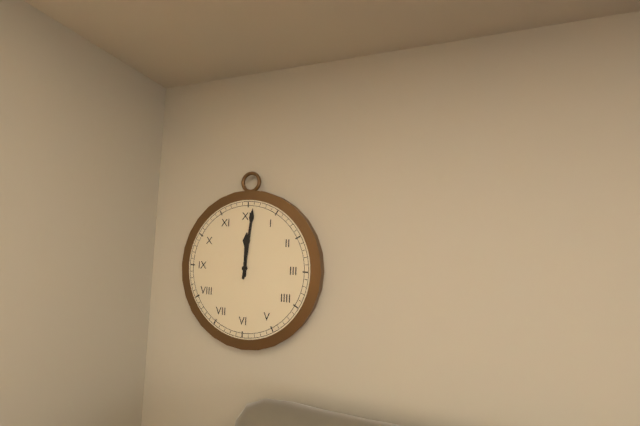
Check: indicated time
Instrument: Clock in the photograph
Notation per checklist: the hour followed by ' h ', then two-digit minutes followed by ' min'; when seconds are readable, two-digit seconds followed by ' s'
12 h 01 min
